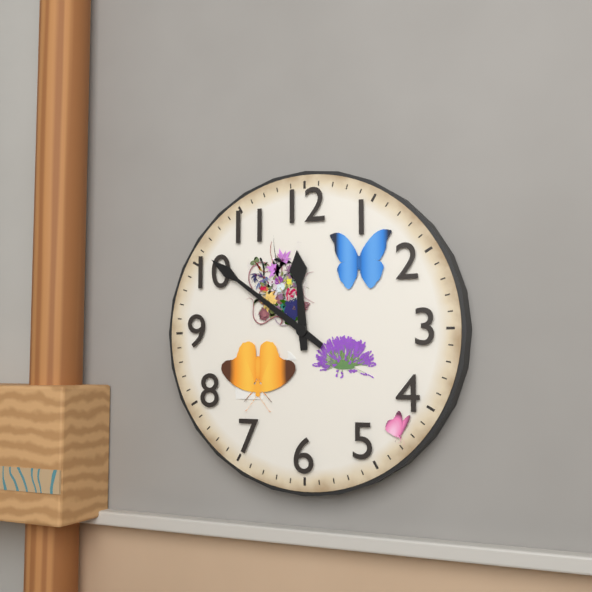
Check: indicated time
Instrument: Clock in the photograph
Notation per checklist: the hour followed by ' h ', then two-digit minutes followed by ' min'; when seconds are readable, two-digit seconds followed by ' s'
11 h 51 min
